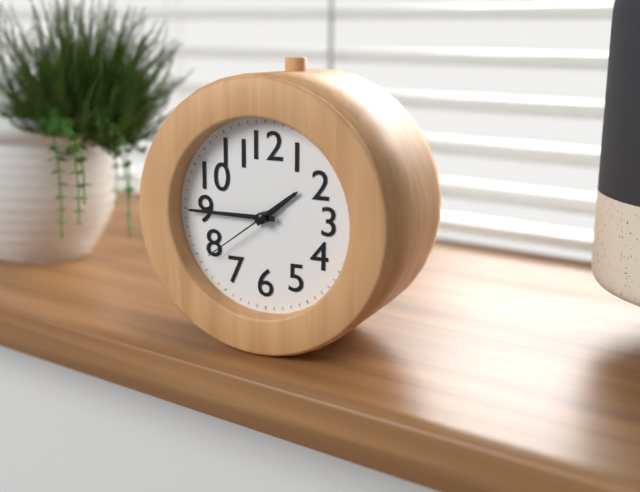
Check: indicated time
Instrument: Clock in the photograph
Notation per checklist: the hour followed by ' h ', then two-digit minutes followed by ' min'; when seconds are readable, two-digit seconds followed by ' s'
1 h 45 min 39 s
